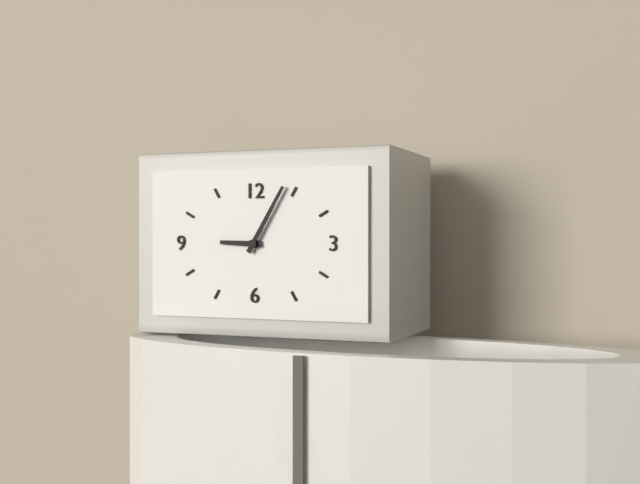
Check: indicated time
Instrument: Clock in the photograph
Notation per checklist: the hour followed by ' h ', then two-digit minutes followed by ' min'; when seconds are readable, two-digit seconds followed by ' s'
9 h 05 min
